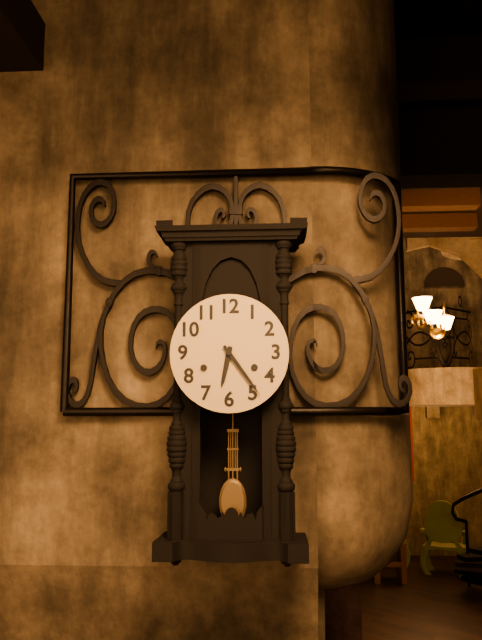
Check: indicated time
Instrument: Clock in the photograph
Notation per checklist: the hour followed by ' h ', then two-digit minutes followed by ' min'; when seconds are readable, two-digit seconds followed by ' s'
6 h 24 min
